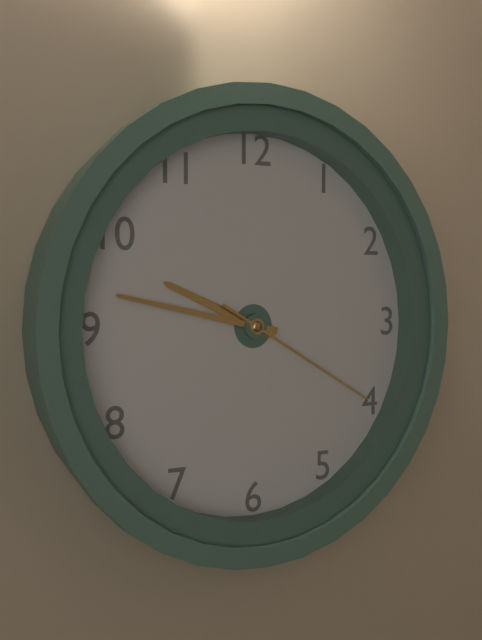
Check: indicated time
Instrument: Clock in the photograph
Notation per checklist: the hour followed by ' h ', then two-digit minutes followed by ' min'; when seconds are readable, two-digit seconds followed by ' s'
9 h 47 min 20 s
